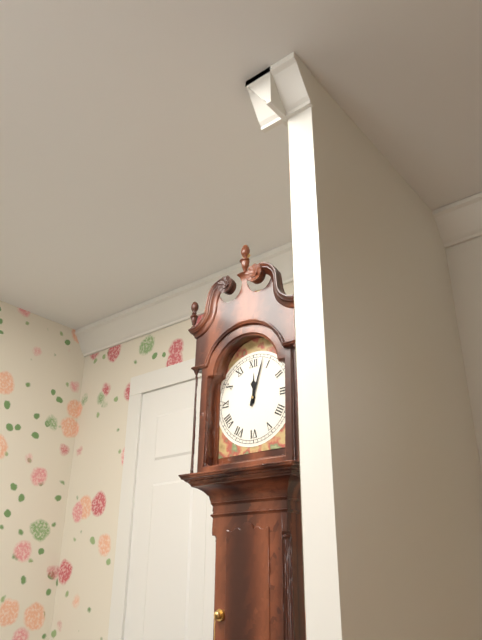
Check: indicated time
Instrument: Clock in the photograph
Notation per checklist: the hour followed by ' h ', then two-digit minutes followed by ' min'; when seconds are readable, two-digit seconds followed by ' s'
12 h 03 min
